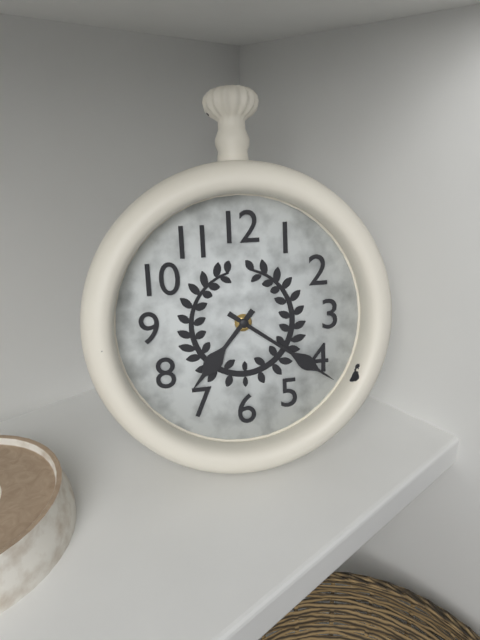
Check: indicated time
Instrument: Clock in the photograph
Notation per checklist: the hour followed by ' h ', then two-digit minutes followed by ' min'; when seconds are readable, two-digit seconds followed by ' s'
7 h 21 min
